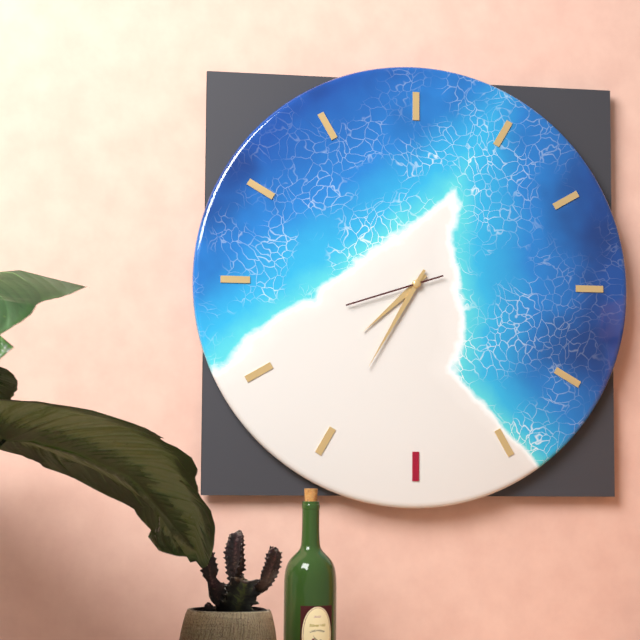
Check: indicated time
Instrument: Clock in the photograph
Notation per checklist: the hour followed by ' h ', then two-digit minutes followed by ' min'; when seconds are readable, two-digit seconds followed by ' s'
7 h 35 min 42 s
